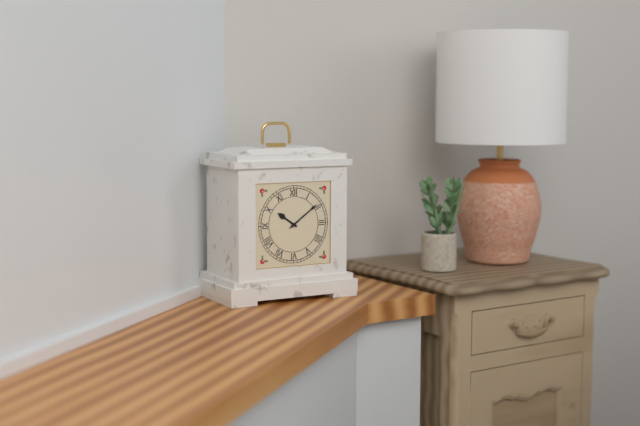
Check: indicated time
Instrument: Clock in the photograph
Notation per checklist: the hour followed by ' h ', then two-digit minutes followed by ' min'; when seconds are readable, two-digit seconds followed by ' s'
10 h 09 min
